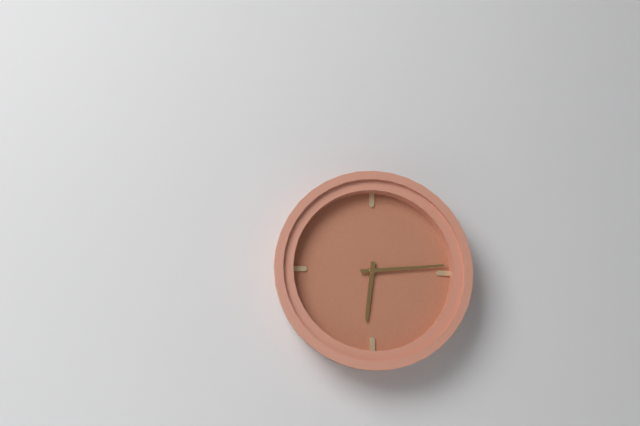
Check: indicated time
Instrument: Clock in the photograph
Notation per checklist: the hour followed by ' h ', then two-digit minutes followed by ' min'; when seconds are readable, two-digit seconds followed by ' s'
6 h 14 min
